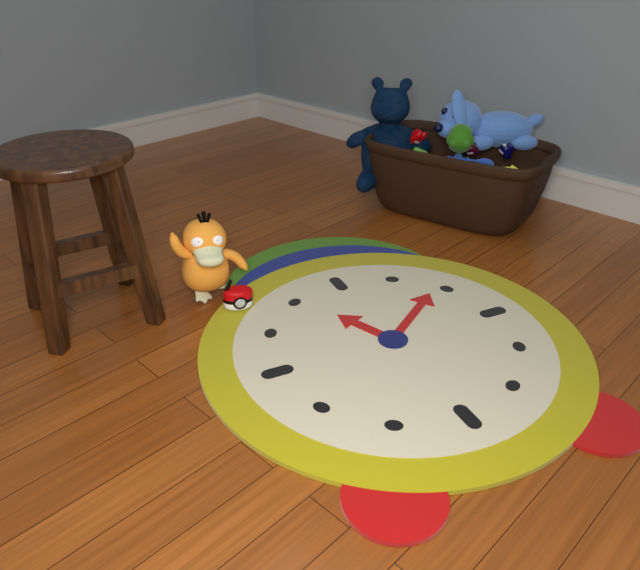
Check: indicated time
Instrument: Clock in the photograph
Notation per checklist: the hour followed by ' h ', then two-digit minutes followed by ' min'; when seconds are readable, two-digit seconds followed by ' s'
11 h 09 min
